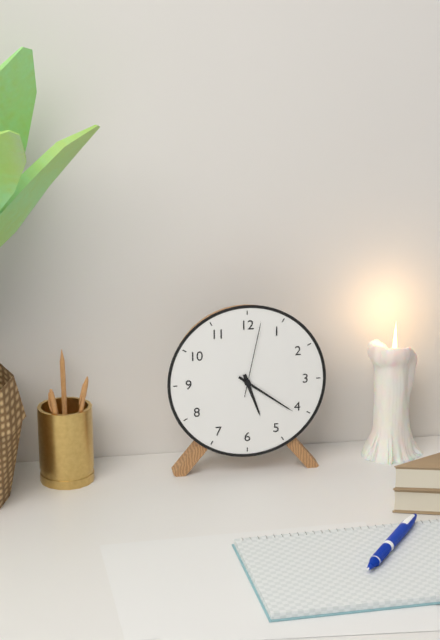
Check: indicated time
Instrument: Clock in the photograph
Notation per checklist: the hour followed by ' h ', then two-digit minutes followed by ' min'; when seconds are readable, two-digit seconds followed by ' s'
5 h 21 min 02 s
